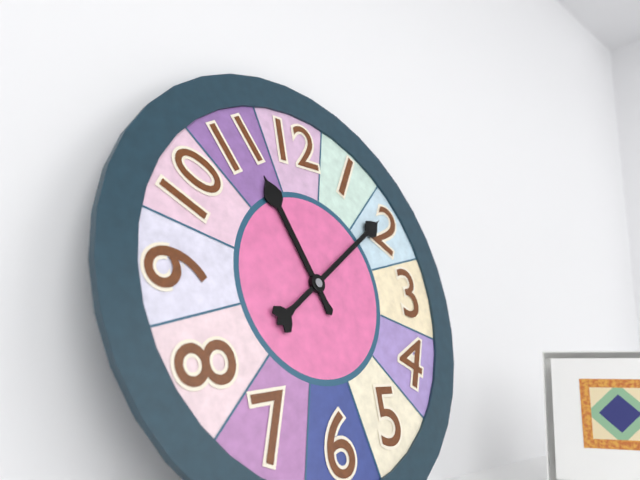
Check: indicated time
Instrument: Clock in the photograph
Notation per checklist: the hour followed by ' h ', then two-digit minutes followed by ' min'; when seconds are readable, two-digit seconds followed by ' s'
11 h 09 min
